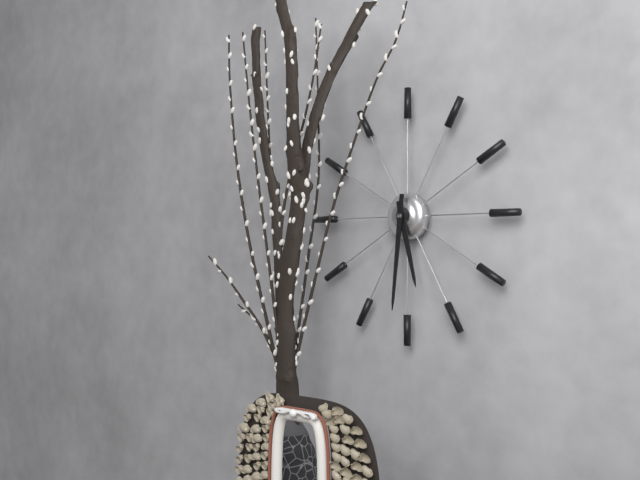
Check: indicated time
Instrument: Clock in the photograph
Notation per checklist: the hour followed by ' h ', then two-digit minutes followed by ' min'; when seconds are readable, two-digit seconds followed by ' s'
5 h 31 min
